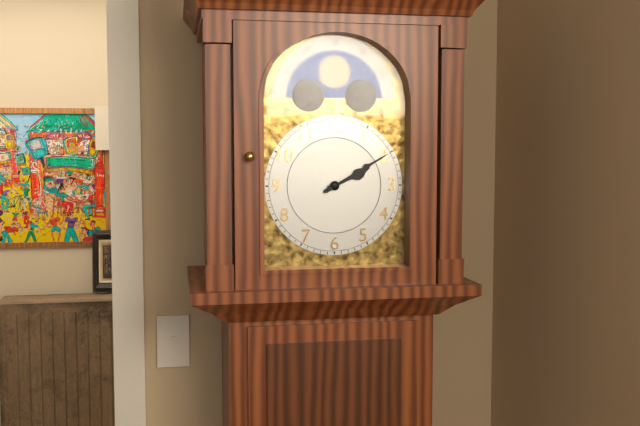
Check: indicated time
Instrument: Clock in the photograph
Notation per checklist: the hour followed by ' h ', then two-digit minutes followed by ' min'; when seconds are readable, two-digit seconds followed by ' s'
2 h 10 min
